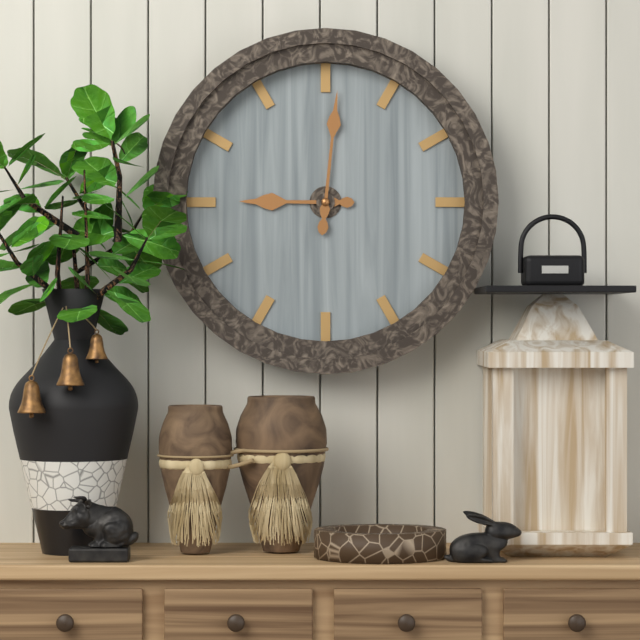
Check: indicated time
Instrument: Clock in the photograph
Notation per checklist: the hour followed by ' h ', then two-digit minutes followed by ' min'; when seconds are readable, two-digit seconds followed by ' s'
9 h 01 min
